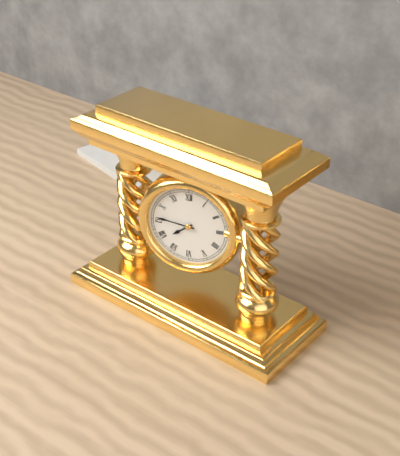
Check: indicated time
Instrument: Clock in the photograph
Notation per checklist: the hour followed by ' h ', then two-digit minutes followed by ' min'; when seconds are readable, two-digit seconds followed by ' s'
7 h 46 min
